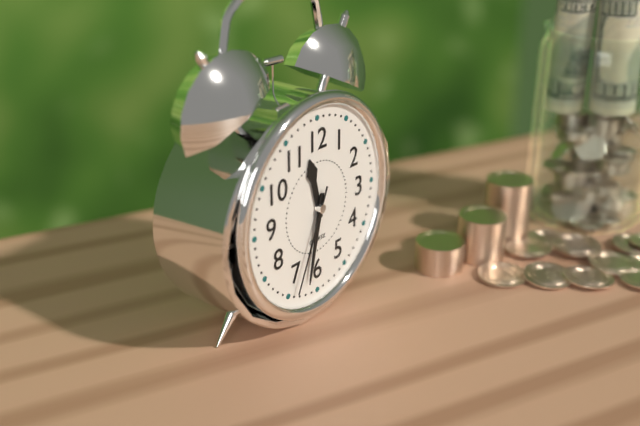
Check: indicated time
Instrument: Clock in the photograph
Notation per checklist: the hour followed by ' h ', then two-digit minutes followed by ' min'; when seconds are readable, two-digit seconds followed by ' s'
11 h 32 min 34 s
